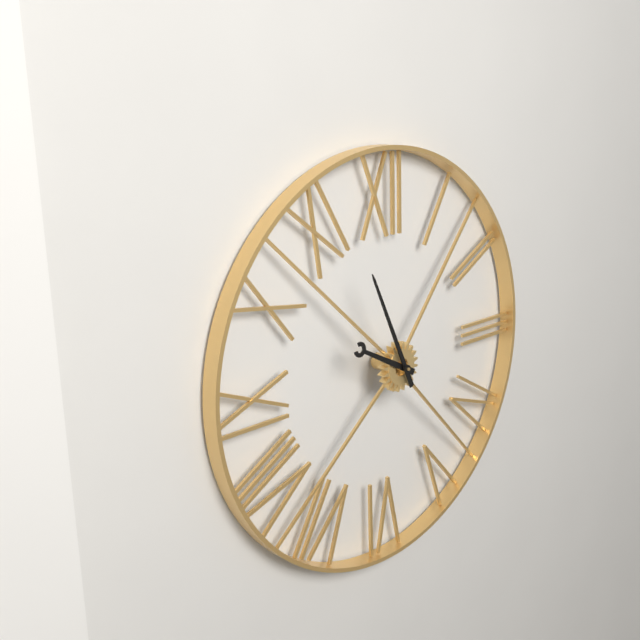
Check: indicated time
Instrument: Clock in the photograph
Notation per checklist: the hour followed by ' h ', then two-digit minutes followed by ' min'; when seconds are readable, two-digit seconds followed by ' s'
9 h 56 min
